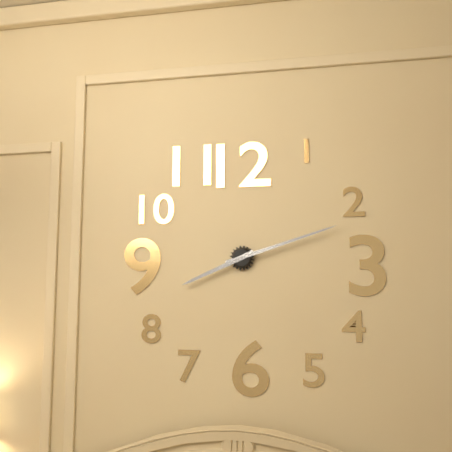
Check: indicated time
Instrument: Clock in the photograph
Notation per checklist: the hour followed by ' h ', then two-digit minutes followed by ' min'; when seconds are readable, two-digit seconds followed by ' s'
8 h 12 min
